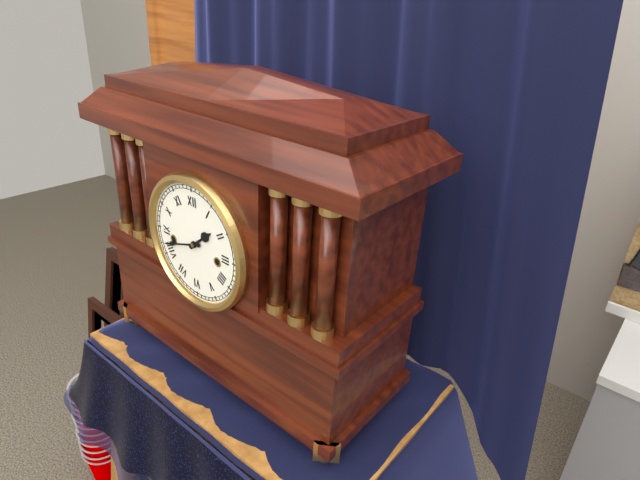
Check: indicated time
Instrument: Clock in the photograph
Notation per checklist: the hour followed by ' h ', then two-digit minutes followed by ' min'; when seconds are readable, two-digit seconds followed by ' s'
1 h 42 min
